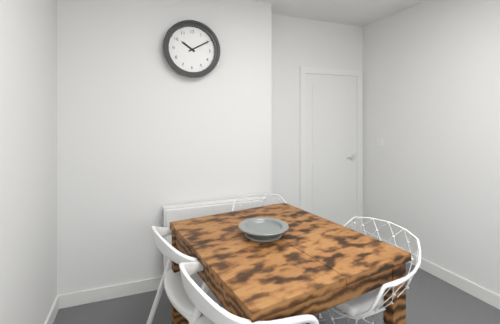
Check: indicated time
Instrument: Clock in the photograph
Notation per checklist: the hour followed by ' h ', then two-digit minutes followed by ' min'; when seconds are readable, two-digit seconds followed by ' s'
10 h 10 min
